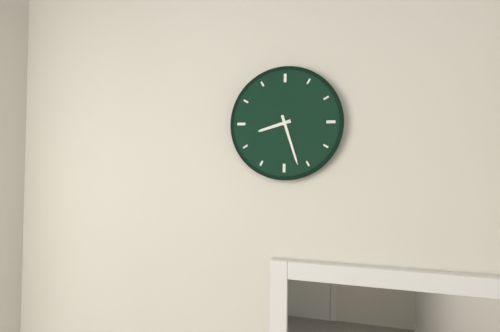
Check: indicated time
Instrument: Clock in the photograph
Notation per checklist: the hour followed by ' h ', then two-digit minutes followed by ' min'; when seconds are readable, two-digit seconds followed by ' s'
8 h 27 min
